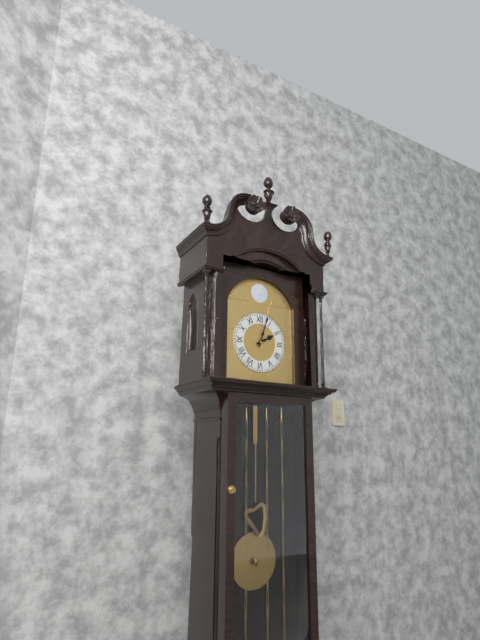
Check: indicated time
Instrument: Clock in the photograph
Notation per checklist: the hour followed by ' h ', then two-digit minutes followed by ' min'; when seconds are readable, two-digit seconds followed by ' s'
2 h 03 min
